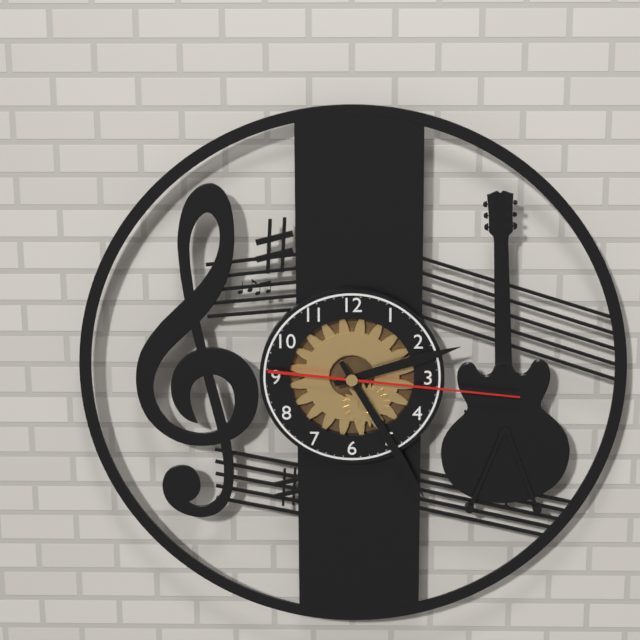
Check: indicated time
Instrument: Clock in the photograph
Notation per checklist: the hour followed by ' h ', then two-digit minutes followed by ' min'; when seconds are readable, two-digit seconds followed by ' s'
2 h 25 min 16 s
